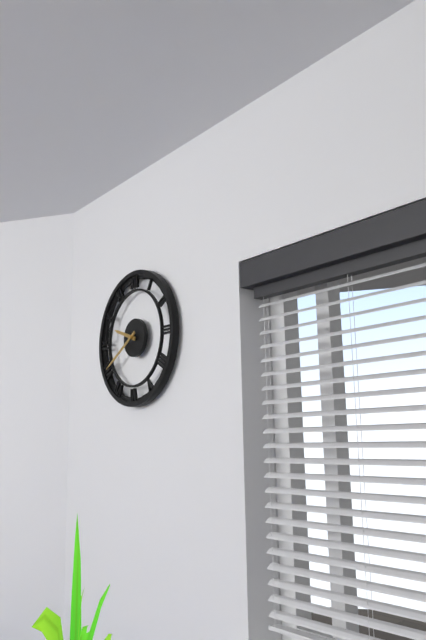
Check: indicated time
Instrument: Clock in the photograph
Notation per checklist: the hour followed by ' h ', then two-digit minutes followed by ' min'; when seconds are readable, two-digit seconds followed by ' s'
9 h 40 min
